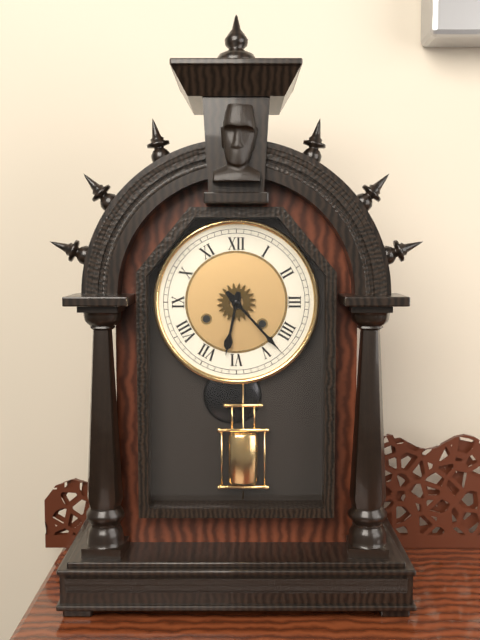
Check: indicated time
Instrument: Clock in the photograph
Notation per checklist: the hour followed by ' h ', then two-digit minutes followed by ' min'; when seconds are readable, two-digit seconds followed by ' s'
6 h 23 min
